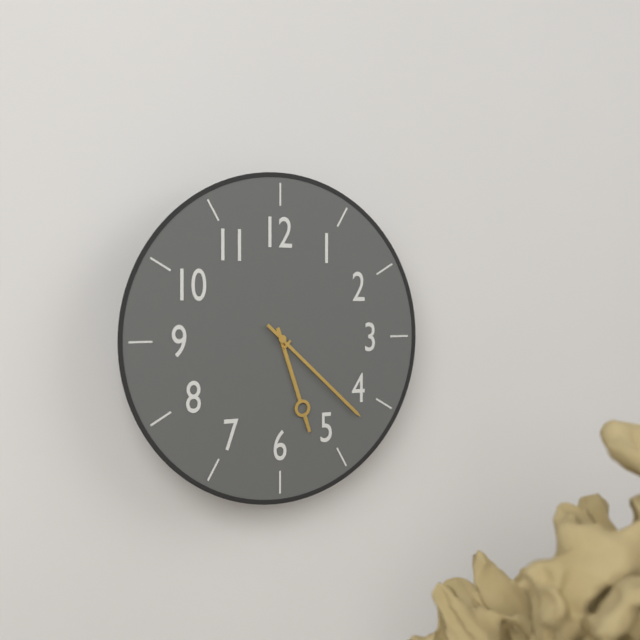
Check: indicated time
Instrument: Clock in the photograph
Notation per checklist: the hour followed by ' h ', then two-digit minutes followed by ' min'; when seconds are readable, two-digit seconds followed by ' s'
5 h 22 min
